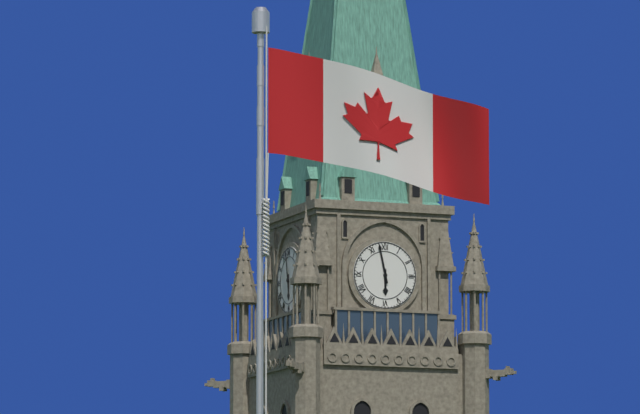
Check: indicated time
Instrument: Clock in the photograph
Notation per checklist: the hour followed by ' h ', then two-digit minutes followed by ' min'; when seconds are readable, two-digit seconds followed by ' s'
5 h 58 min
